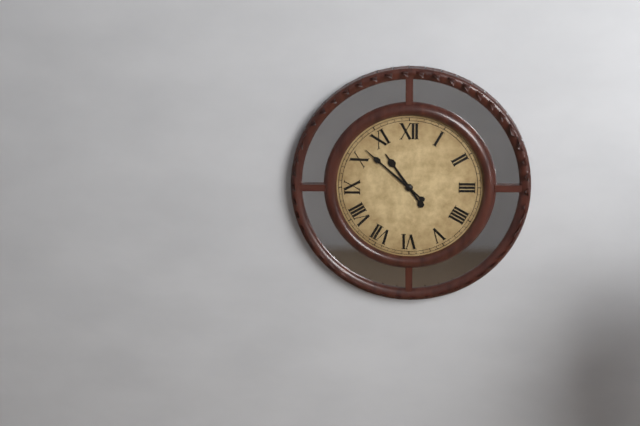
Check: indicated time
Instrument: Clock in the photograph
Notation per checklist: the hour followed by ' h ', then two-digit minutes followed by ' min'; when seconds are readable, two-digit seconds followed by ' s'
10 h 52 min
